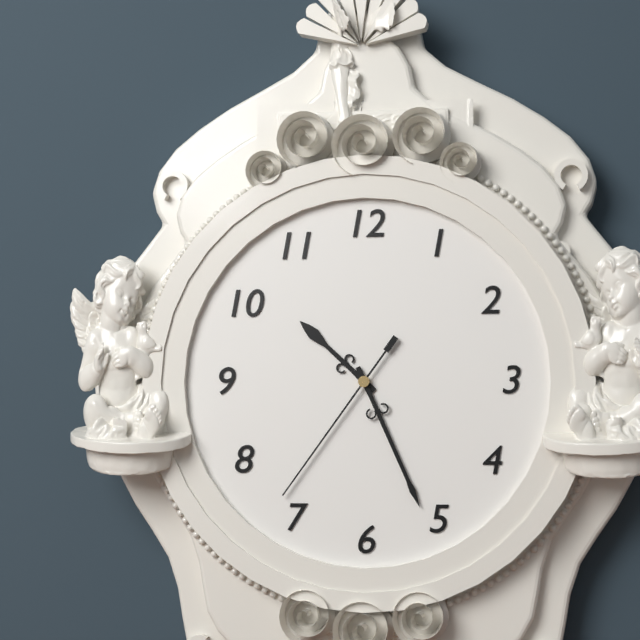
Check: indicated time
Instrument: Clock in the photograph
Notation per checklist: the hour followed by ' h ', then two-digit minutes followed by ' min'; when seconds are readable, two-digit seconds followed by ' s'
10 h 26 min 36 s
